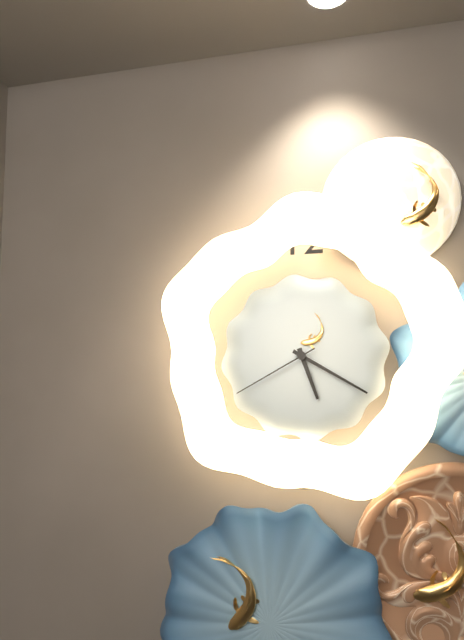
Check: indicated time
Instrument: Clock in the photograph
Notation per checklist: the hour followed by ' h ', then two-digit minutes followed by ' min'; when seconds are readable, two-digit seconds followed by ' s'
5 h 20 min 40 s
